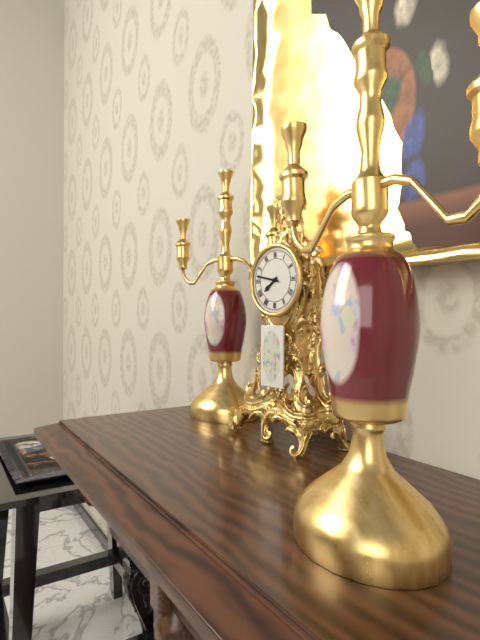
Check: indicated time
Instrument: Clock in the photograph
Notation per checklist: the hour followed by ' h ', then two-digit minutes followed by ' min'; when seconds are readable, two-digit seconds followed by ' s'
7 h 47 min
